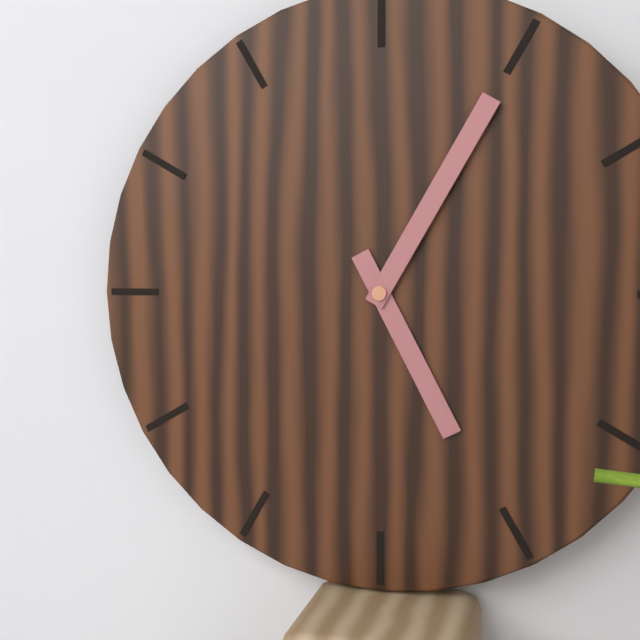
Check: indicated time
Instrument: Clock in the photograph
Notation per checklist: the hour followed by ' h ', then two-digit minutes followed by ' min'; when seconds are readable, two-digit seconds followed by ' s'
5 h 05 min
